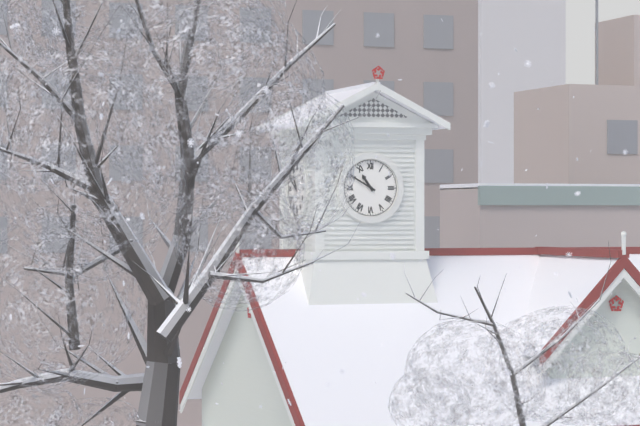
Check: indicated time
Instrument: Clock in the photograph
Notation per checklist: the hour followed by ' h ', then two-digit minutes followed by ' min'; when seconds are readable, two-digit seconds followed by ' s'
10 h 50 min
